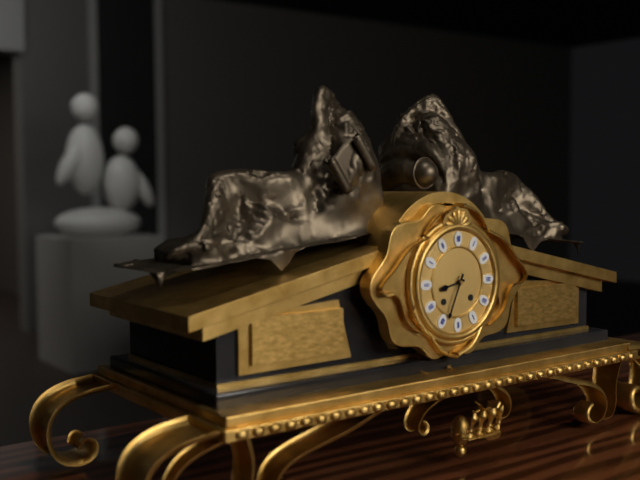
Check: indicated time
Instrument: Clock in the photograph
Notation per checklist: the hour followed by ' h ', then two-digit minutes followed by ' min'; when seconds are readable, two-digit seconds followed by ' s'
8 h 34 min
